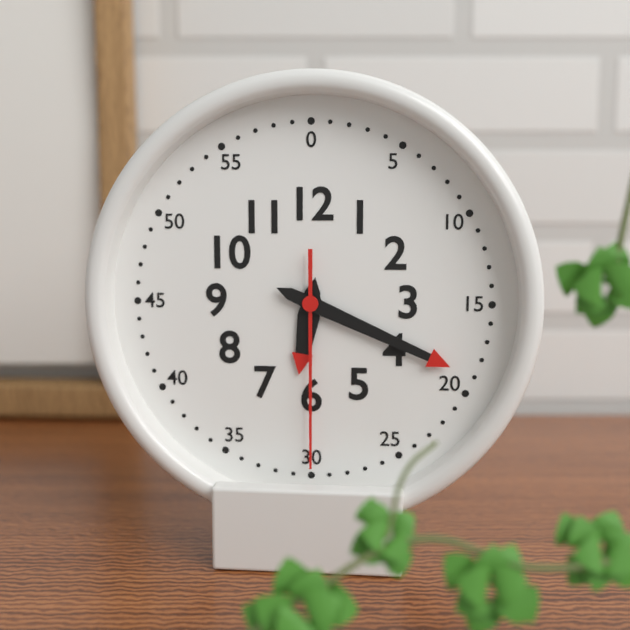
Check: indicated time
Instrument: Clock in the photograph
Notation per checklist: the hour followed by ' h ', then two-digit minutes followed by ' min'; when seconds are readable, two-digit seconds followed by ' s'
6 h 19 min 30 s
